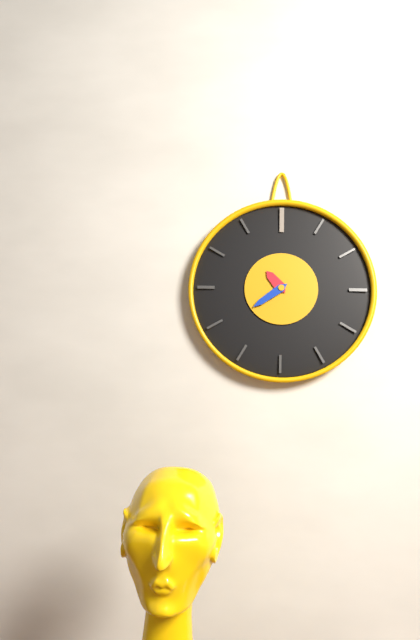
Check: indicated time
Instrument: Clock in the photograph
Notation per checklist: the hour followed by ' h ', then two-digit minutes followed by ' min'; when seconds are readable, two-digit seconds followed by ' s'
10 h 39 min
